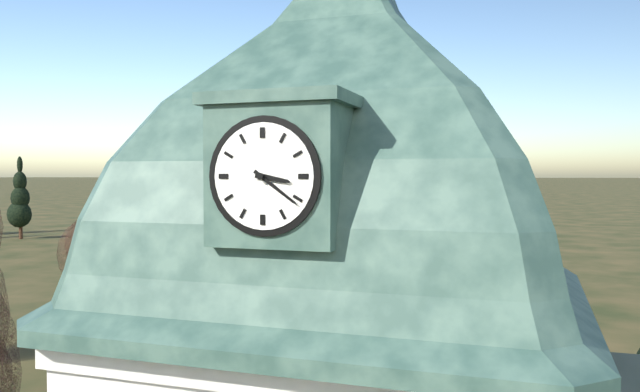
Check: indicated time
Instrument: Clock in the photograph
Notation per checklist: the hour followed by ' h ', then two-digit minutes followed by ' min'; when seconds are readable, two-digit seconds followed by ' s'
3 h 21 min
